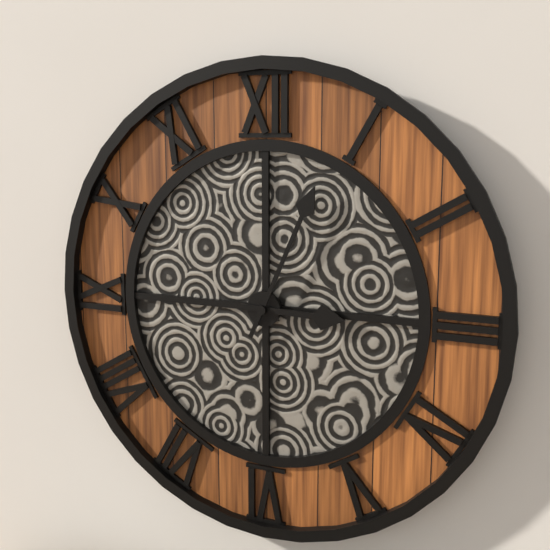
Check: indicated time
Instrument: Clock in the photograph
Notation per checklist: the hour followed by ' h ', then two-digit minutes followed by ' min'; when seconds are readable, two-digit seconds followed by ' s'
3 h 04 min
